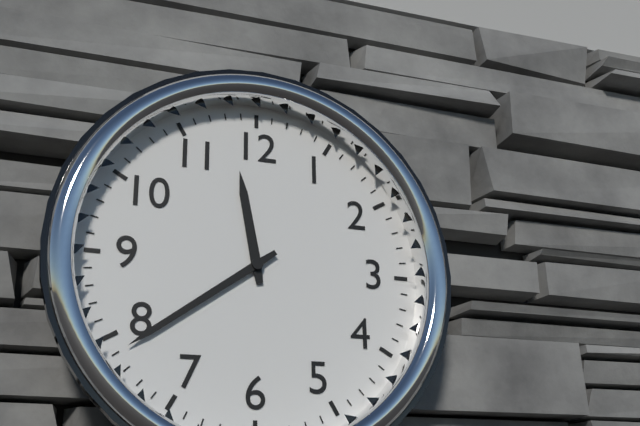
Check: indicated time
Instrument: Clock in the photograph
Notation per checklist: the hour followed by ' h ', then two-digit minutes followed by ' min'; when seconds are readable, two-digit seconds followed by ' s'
11 h 39 min
